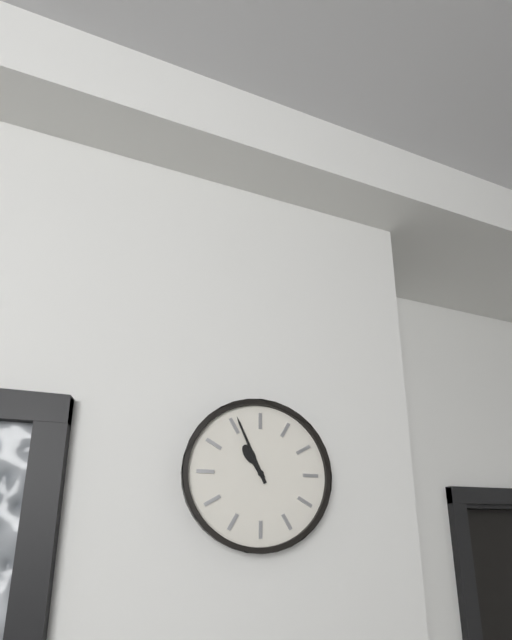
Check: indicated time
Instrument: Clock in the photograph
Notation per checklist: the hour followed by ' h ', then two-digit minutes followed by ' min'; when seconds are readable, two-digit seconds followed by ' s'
10 h 56 min
